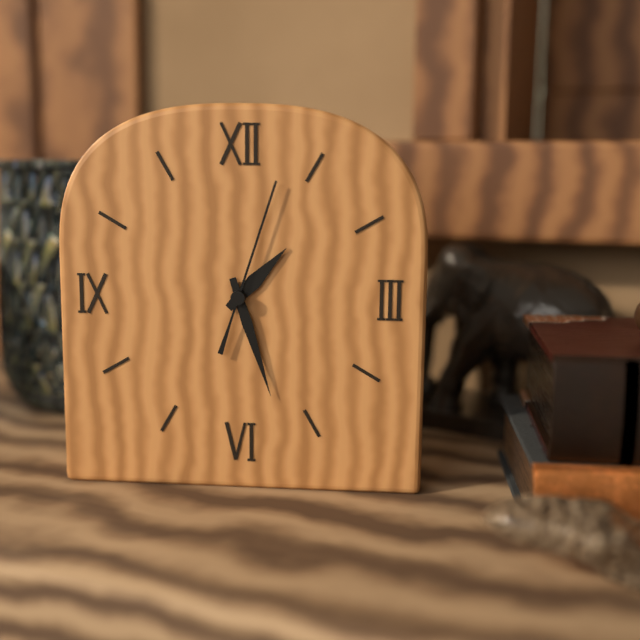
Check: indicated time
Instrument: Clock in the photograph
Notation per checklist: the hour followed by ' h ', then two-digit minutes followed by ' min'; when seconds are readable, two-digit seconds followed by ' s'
1 h 27 min 03 s
